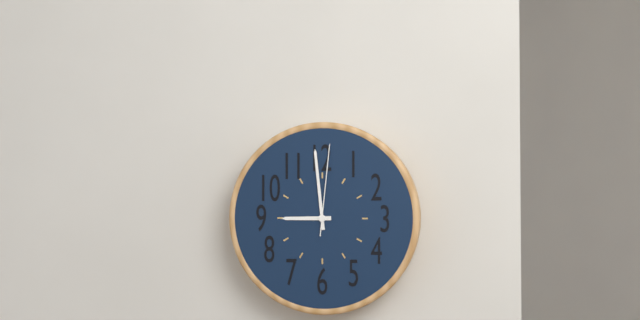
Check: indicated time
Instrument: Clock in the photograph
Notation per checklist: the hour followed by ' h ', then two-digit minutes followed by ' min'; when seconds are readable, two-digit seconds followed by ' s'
8 h 59 min 01 s
